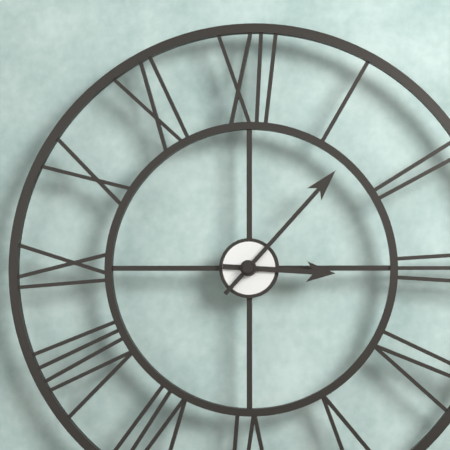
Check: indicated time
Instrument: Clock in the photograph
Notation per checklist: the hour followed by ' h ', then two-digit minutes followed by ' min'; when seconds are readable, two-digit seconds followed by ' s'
3 h 07 min
